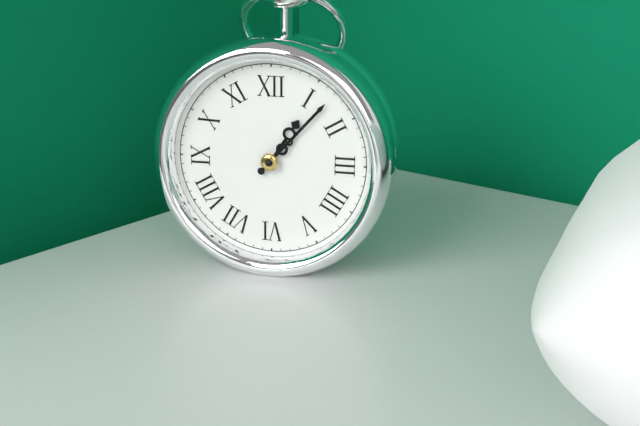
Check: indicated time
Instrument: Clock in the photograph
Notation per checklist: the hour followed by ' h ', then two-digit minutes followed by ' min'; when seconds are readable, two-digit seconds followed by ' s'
1 h 07 min
